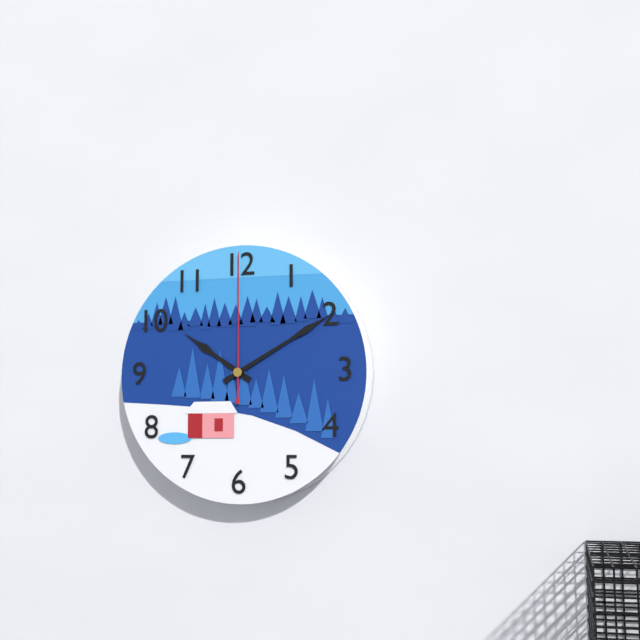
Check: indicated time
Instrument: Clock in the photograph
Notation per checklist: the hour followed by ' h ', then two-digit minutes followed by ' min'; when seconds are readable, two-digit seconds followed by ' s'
10 h 10 min 00 s
